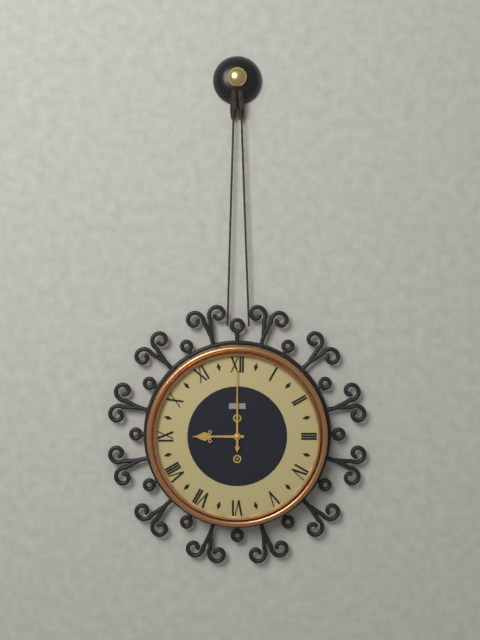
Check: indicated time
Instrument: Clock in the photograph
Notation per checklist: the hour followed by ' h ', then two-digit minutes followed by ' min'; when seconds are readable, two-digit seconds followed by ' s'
9 h 00 min
